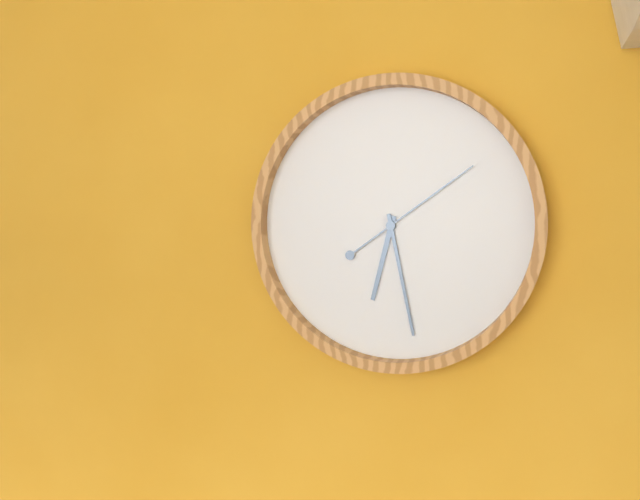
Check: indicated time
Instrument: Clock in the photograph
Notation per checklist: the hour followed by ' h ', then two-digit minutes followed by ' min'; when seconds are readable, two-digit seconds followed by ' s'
6 h 28 min 09 s
